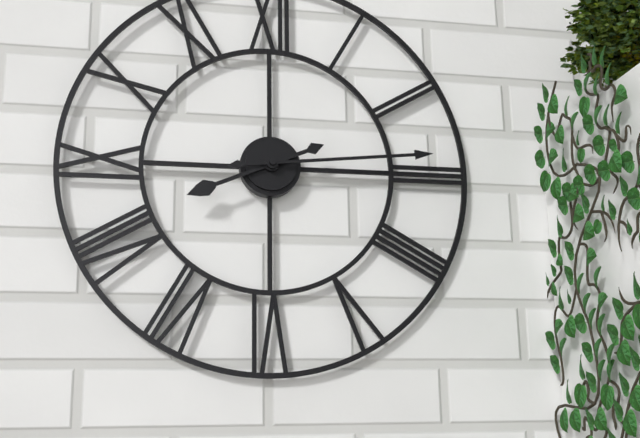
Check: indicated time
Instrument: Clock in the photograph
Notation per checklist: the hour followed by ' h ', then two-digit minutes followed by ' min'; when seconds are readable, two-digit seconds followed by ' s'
8 h 14 min
